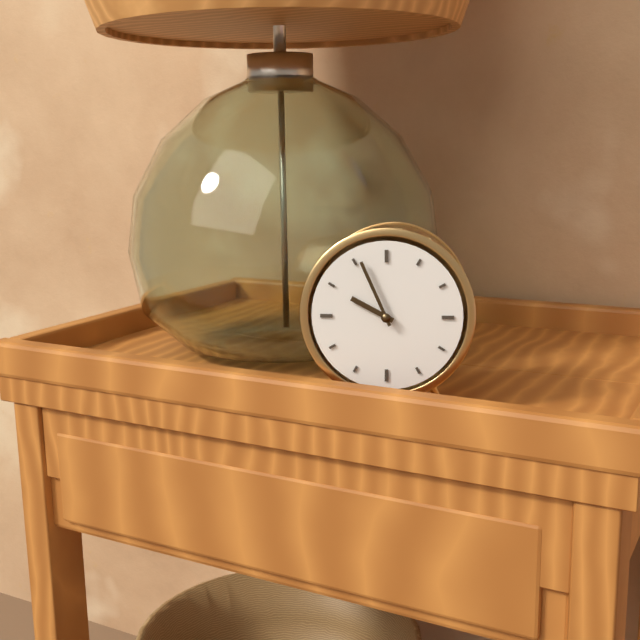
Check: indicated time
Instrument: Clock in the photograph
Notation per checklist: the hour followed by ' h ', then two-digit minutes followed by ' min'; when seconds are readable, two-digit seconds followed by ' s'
9 h 56 min
